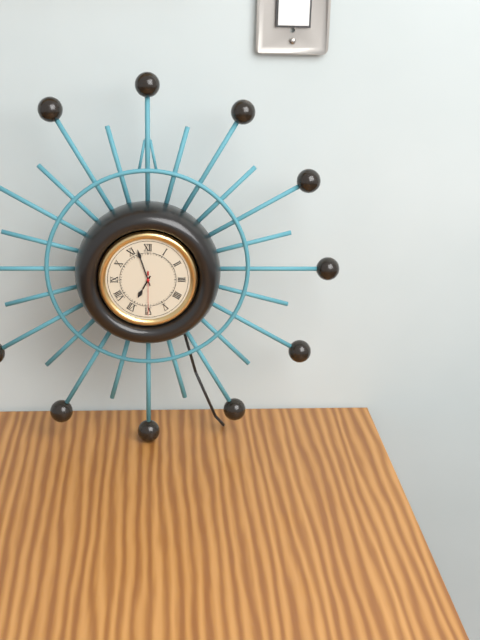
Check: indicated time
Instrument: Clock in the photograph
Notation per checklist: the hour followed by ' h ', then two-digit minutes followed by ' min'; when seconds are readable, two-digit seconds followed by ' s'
6 h 57 min 30 s
